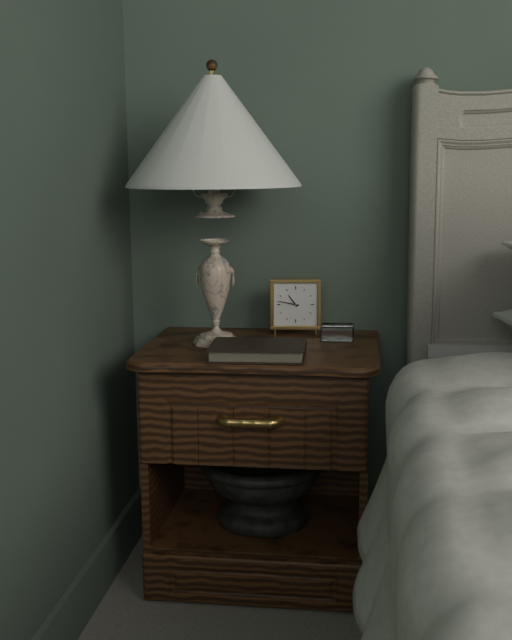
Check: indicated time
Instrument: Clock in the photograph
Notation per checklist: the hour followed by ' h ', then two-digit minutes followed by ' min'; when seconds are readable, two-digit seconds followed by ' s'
10 h 47 min
